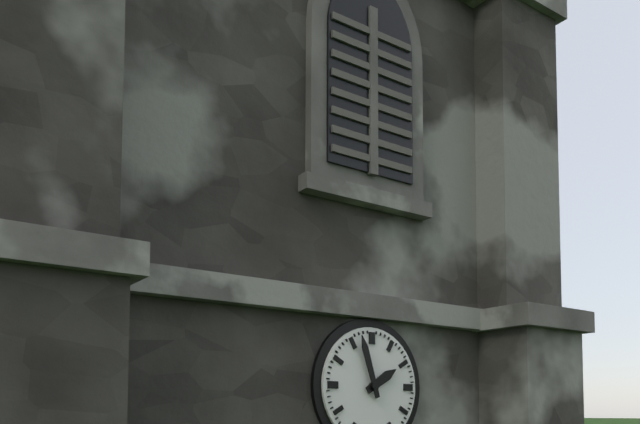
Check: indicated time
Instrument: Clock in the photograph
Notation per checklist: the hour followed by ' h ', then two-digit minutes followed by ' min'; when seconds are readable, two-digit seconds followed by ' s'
1 h 57 min
